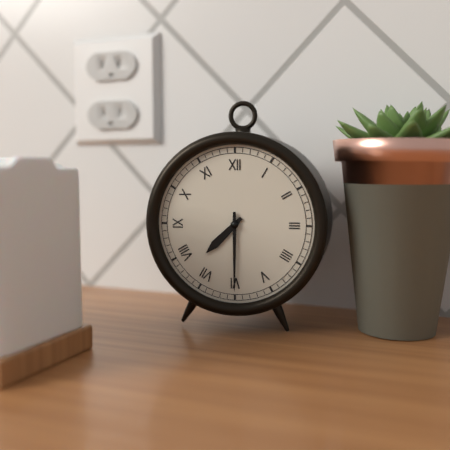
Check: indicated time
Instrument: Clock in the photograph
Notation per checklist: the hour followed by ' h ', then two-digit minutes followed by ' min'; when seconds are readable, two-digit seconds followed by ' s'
7 h 30 min
